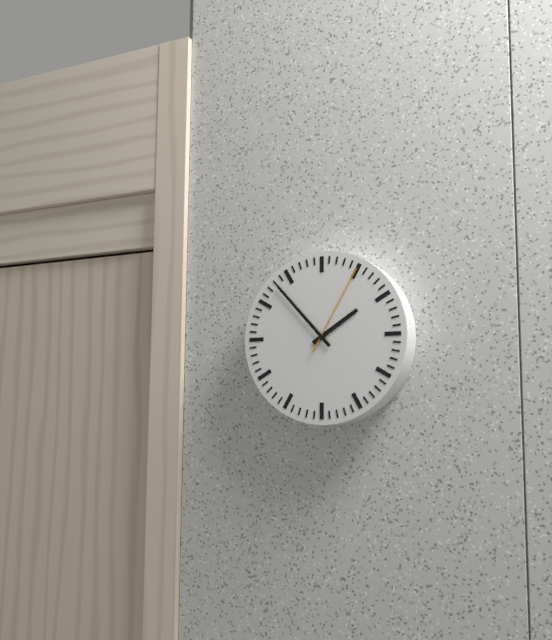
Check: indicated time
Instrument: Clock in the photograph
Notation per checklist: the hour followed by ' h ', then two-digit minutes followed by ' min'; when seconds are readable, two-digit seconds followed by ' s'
1 h 53 min 05 s
